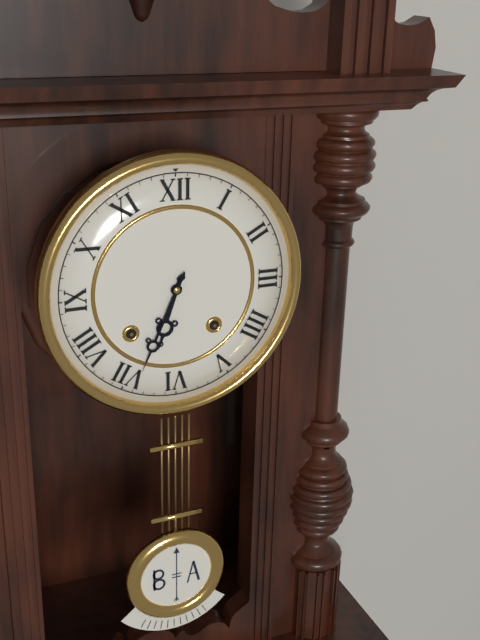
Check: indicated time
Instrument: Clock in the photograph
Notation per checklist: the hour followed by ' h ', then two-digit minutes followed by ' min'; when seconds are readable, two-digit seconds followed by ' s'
6 h 34 min
